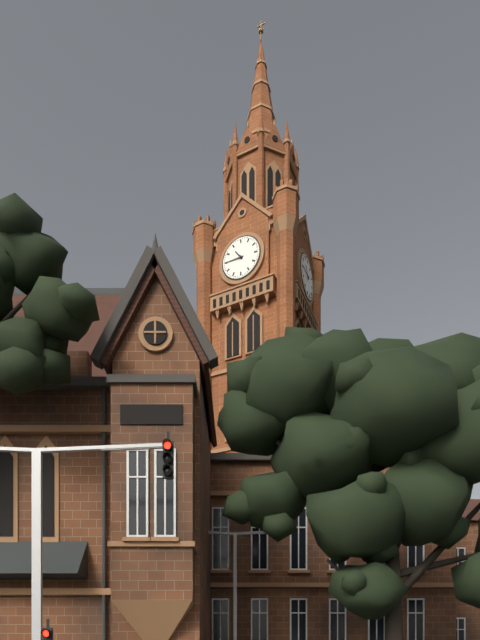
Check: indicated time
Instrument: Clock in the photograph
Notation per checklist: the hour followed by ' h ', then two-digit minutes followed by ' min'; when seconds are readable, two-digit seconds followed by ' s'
10 h 45 min
